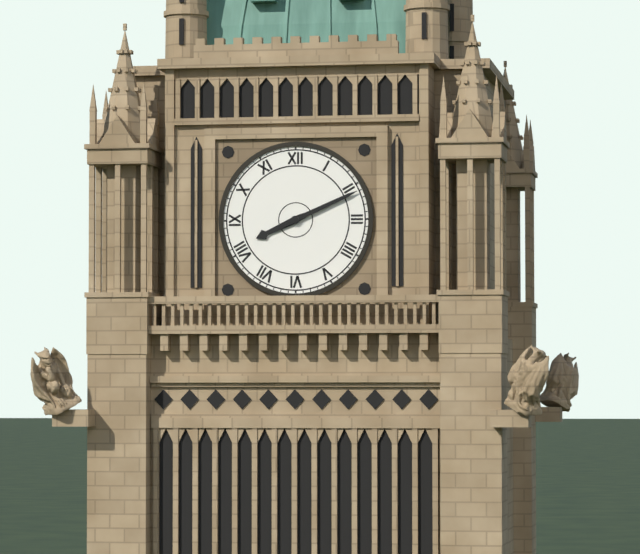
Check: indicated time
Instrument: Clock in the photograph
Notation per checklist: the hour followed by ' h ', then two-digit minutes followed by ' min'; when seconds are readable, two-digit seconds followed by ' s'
8 h 11 min
